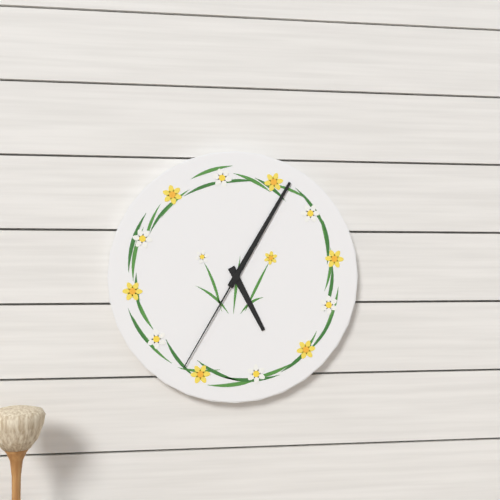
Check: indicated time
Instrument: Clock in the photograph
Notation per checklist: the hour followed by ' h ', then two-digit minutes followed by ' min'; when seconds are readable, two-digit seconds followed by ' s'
5 h 05 min 35 s
